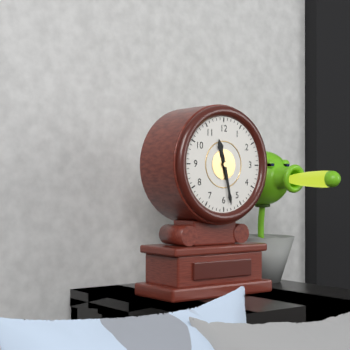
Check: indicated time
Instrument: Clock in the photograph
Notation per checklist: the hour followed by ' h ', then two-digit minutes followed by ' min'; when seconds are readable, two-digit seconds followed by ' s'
11 h 28 min
